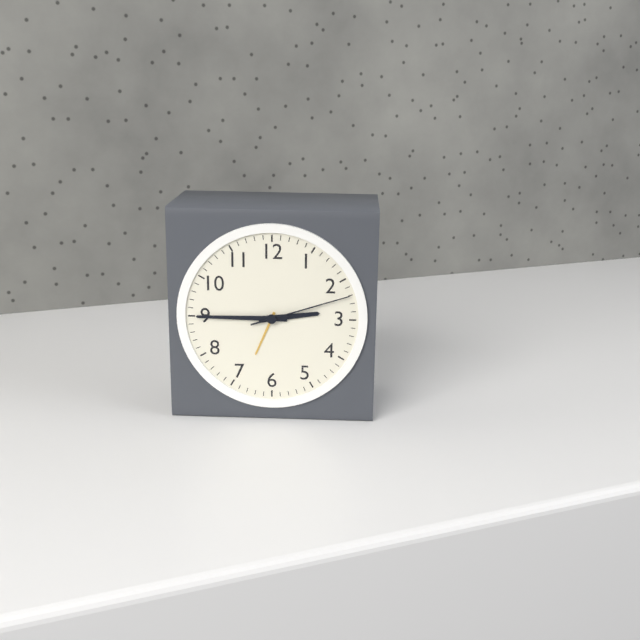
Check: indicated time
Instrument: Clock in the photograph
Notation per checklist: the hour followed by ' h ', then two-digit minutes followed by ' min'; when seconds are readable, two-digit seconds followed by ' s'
2 h 45 min 12 s
